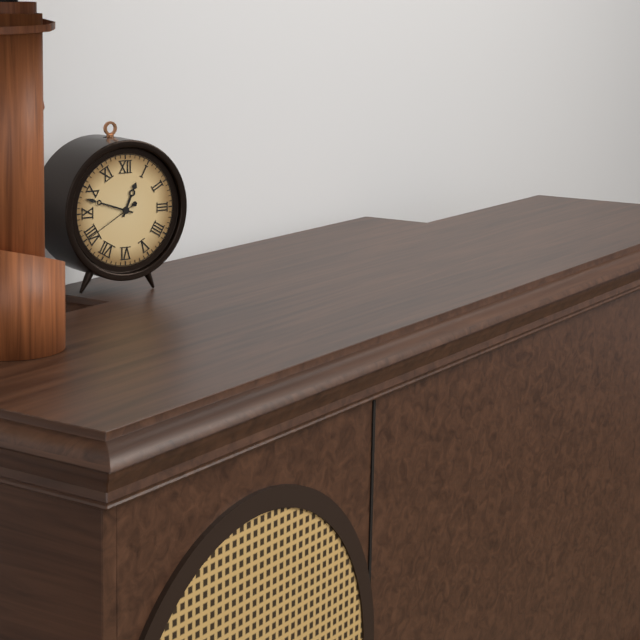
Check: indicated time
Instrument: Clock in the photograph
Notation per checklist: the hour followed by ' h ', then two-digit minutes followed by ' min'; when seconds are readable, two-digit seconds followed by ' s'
12 h 48 min 40 s
